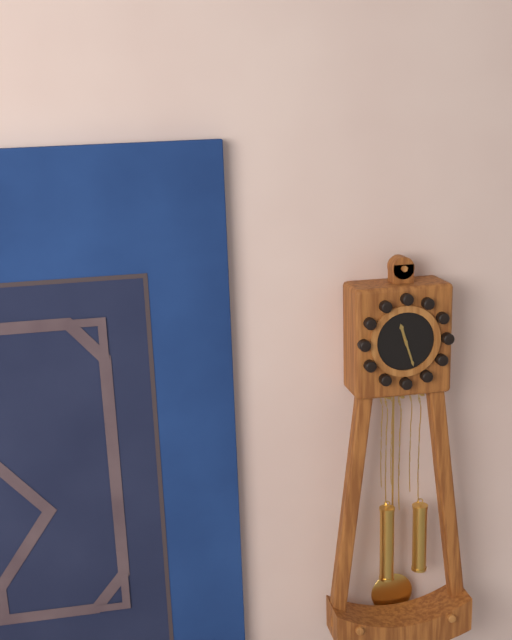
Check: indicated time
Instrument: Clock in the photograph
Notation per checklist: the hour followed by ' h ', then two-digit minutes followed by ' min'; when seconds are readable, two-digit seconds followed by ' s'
11 h 27 min
